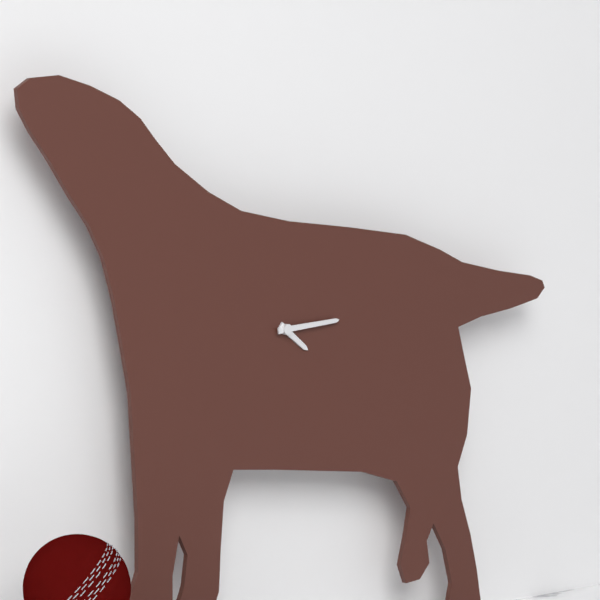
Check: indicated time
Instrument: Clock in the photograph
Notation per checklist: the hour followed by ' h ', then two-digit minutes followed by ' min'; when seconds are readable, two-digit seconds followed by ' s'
4 h 14 min
